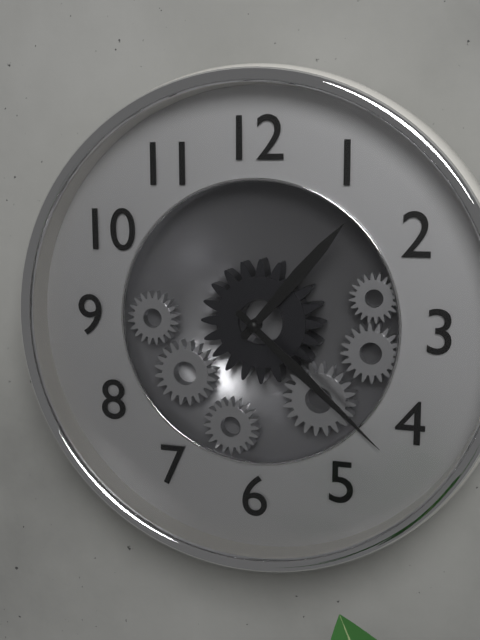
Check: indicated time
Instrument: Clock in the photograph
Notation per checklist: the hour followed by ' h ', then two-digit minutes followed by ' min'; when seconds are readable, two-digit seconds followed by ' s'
1 h 22 min
